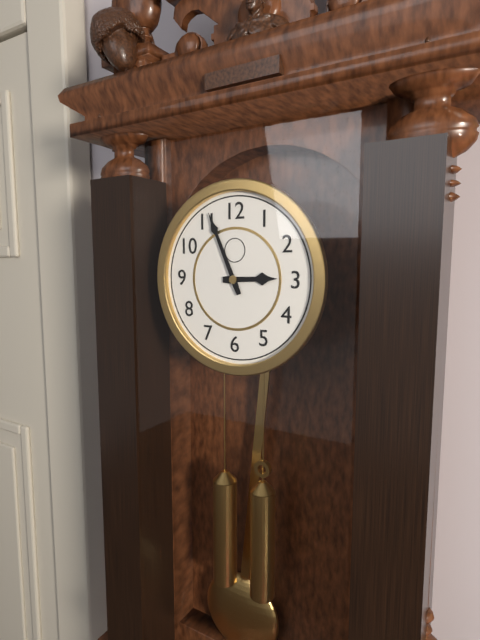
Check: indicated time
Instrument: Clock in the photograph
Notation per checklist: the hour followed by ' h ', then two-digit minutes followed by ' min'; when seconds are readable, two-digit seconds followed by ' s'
2 h 56 min
